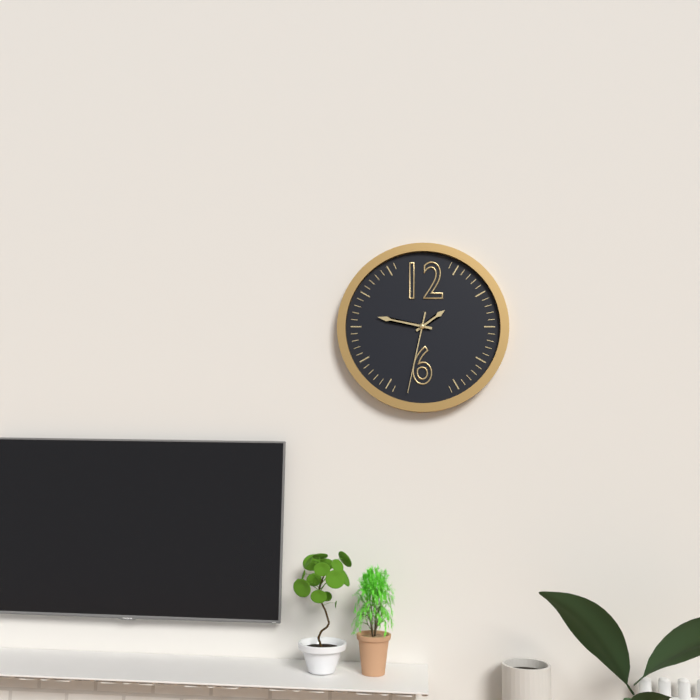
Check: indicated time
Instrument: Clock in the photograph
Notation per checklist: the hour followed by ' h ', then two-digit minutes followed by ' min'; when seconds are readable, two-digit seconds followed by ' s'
1 h 47 min 32 s
